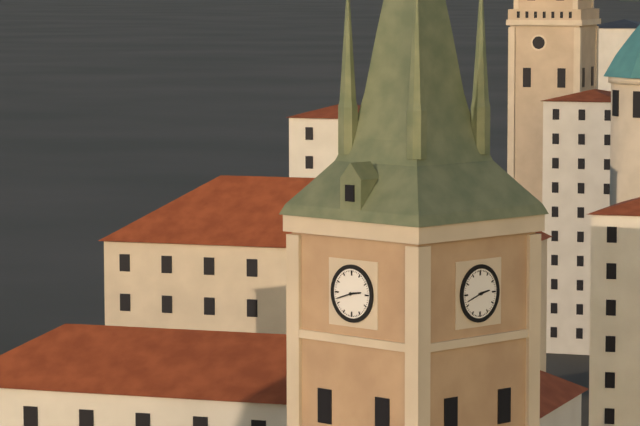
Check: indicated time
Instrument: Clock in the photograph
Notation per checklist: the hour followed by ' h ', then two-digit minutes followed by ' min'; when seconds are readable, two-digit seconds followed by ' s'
2 h 42 min
